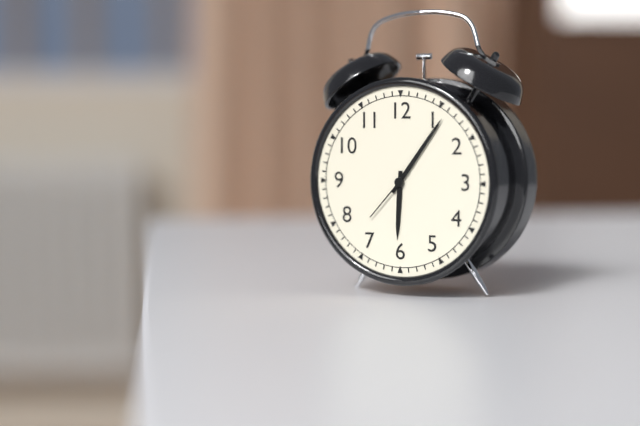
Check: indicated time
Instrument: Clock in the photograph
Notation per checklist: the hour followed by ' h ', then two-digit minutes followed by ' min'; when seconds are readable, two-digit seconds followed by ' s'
6 h 06 min 37 s
